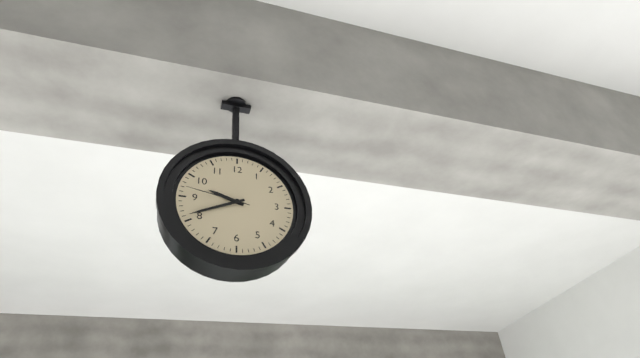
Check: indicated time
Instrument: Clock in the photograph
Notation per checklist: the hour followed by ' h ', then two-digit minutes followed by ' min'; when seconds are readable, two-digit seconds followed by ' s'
9 h 41 min 47 s
